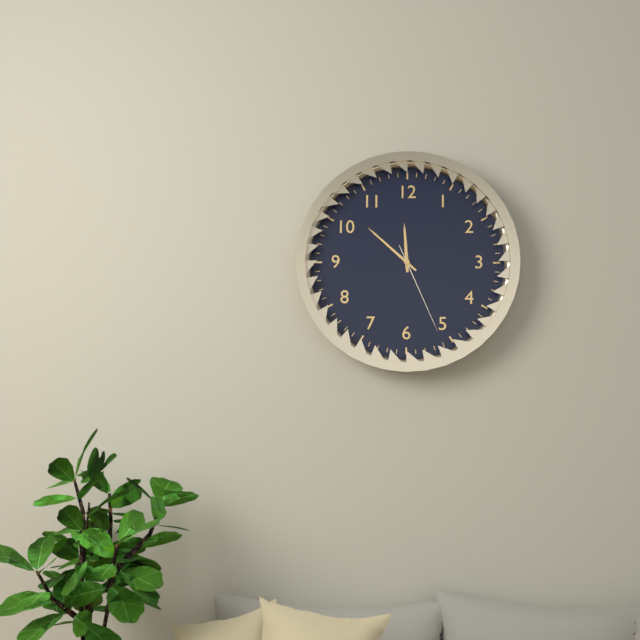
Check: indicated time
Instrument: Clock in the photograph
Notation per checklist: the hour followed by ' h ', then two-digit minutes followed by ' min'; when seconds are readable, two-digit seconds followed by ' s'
11 h 52 min 26 s
